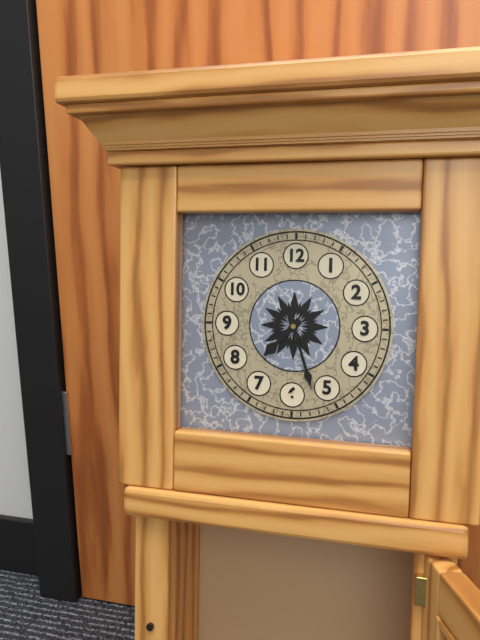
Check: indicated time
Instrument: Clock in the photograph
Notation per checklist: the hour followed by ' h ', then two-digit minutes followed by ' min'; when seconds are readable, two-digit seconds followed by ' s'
7 h 27 min
